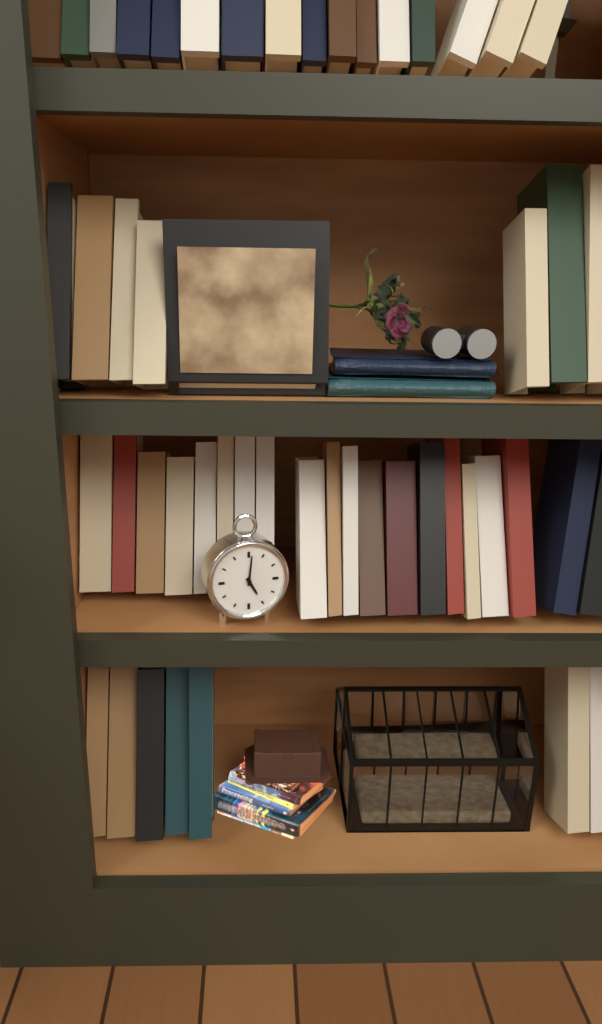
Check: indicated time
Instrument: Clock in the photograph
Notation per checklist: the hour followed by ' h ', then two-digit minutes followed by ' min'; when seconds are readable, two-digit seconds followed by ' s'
5 h 01 min
